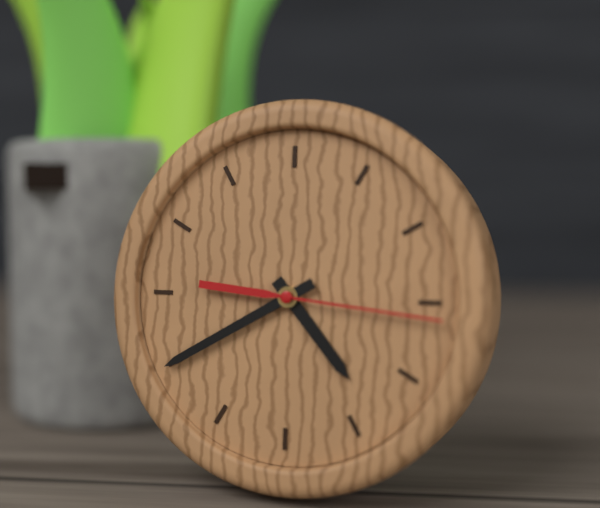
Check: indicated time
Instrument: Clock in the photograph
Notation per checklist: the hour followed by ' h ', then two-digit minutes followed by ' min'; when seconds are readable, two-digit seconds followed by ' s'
4 h 40 min 16 s
